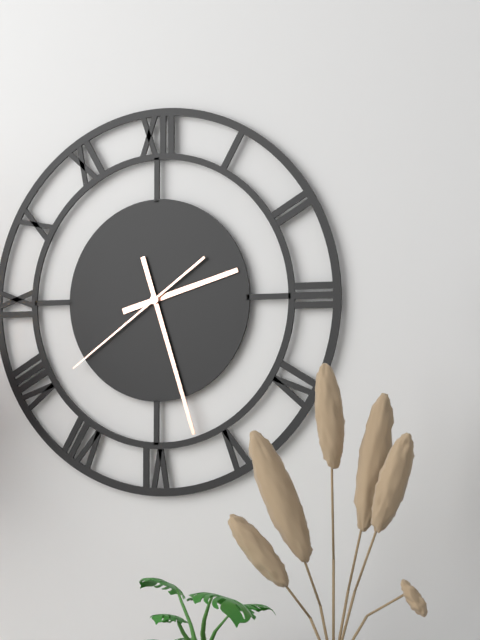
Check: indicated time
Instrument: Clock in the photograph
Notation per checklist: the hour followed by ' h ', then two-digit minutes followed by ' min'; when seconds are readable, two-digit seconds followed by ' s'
2 h 27 min 39 s
